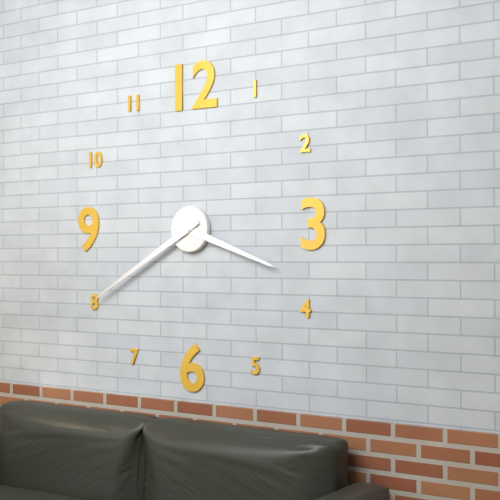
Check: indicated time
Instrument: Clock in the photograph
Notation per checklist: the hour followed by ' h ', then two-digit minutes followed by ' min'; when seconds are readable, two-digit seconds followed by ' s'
3 h 40 min
